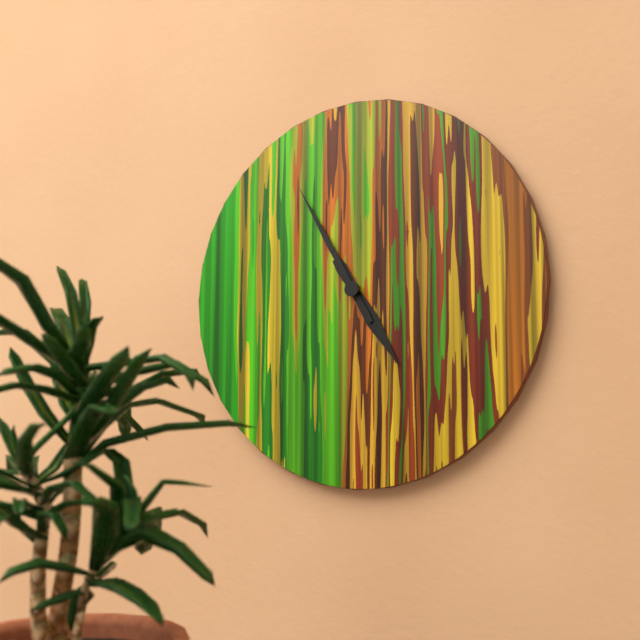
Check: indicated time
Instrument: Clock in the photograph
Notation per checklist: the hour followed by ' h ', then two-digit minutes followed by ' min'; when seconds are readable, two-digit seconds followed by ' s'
4 h 55 min
